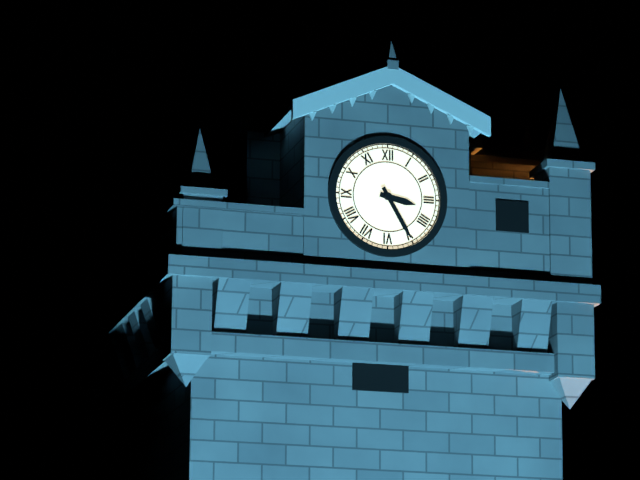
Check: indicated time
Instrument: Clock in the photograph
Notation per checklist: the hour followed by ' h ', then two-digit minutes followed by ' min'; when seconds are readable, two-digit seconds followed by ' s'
3 h 25 min
